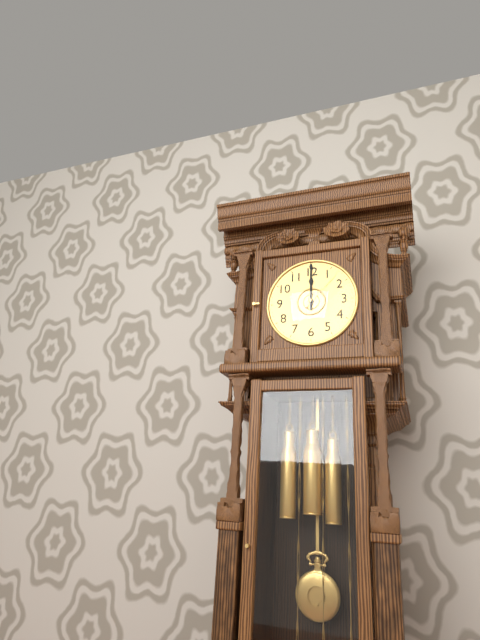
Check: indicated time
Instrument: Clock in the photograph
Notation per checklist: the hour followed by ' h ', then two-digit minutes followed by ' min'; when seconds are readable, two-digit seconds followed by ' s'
12 h 00 min
